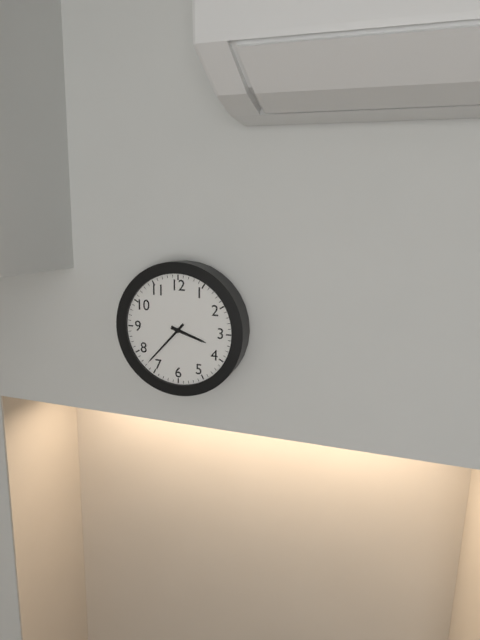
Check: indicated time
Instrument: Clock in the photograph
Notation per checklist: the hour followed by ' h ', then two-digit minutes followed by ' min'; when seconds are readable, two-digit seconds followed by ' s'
3 h 37 min
